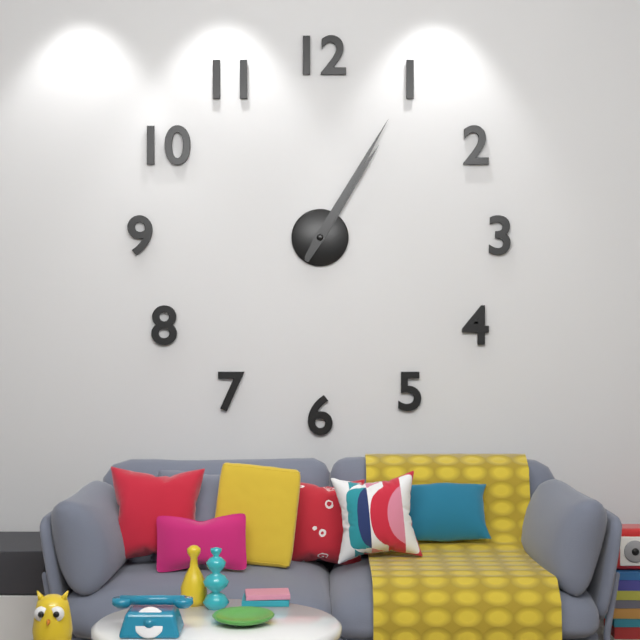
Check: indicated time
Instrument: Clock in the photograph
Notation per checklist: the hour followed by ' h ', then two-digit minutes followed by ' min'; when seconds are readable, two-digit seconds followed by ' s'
1 h 05 min
